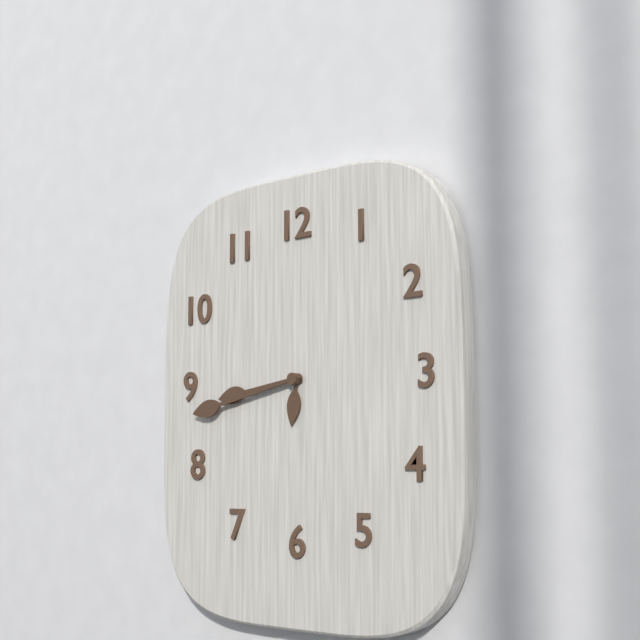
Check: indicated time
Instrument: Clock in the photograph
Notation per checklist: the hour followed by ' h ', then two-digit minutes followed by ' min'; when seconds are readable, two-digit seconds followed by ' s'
8 h 43 min
